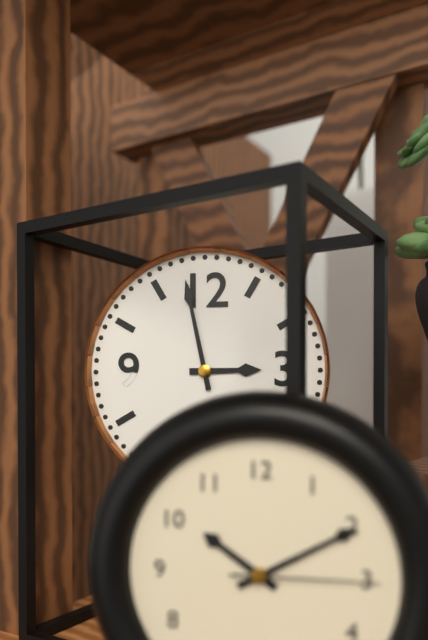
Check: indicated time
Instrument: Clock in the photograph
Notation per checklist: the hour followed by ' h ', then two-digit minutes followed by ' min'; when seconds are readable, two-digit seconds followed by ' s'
2 h 58 min
